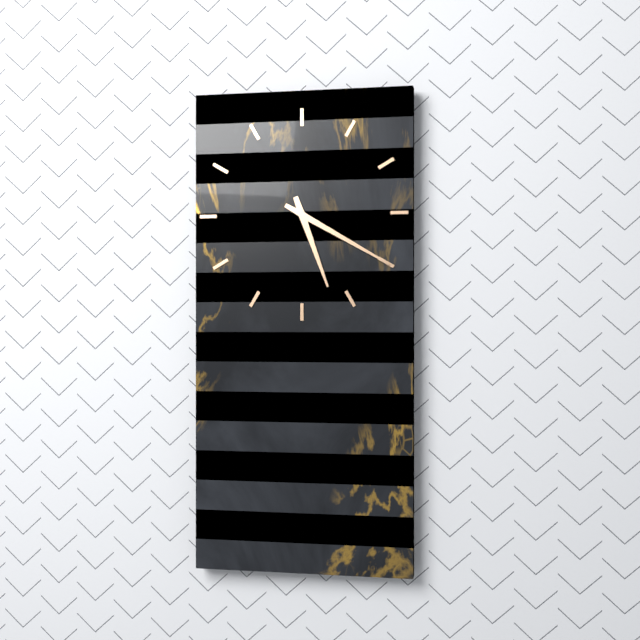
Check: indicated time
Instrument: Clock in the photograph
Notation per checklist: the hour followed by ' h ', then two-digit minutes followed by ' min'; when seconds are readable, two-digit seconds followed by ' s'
5 h 20 min
